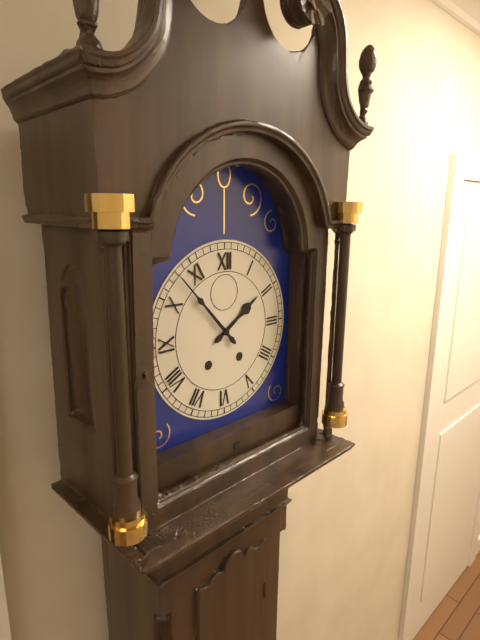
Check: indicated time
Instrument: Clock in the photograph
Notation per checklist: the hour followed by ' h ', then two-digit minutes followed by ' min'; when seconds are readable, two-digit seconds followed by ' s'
1 h 53 min
